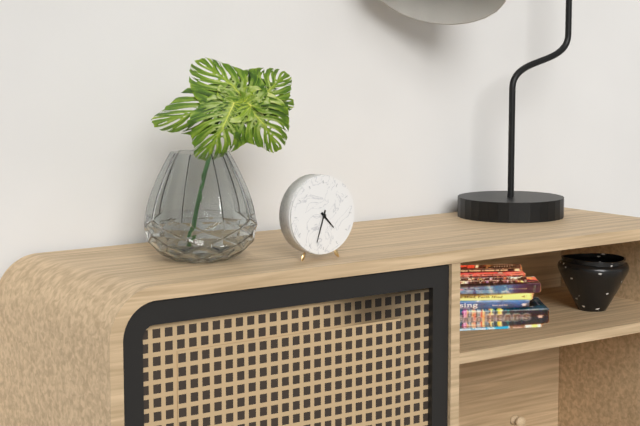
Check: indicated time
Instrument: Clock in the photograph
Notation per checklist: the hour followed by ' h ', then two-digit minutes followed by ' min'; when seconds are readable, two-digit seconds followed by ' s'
4 h 33 min
